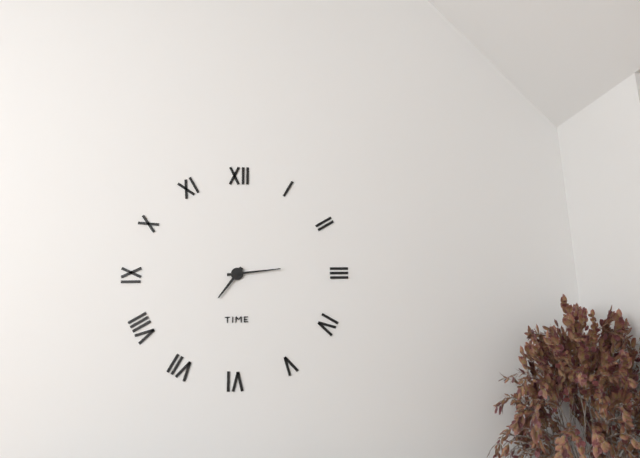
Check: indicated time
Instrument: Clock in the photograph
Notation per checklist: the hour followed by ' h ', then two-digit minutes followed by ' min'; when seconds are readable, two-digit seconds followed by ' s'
7 h 14 min
